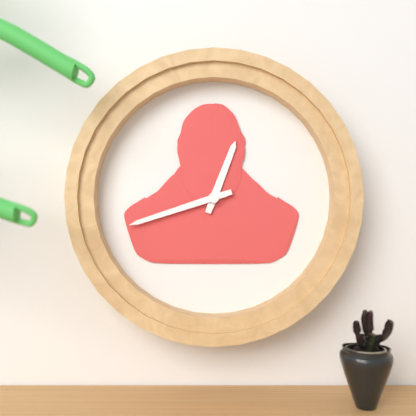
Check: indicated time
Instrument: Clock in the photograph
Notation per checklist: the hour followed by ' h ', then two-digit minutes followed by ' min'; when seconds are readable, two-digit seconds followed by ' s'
12 h 42 min
